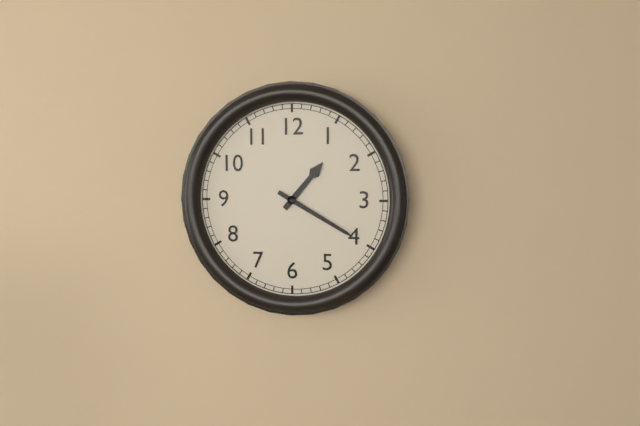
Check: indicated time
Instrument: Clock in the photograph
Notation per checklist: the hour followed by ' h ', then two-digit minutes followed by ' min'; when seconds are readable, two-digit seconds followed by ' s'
1 h 20 min
